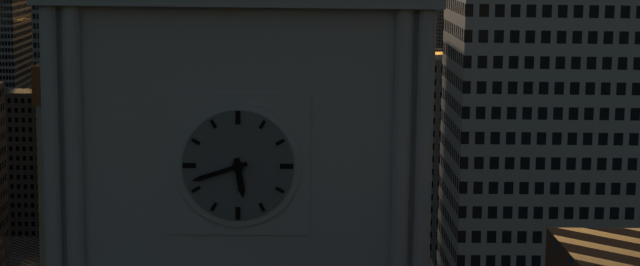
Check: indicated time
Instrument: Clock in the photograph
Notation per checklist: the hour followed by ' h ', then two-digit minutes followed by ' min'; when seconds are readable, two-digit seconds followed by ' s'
5 h 42 min
